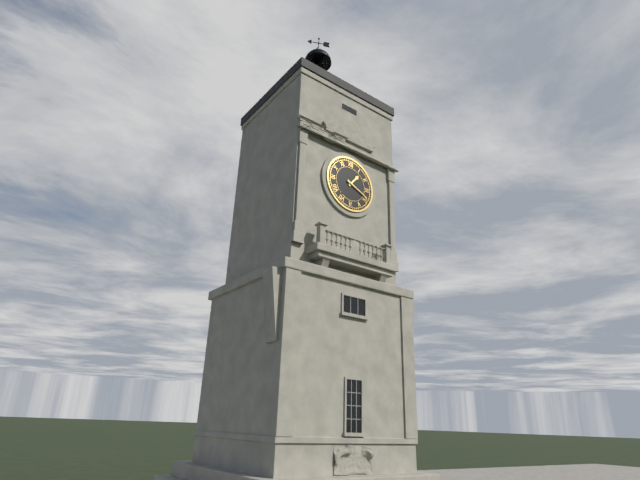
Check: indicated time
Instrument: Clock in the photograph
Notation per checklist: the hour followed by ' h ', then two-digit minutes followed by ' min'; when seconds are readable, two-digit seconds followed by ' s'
1 h 19 min
